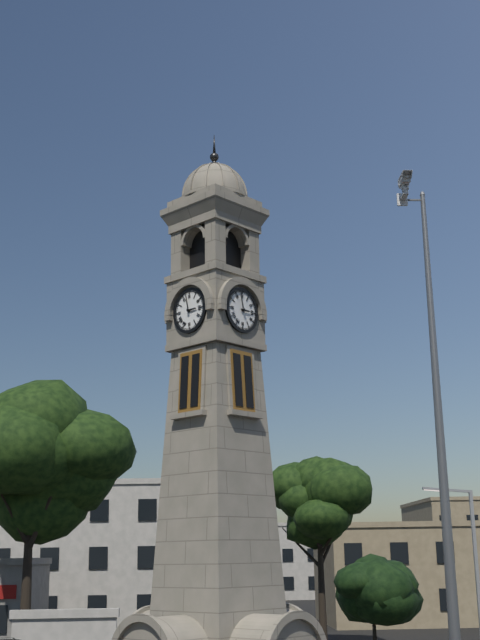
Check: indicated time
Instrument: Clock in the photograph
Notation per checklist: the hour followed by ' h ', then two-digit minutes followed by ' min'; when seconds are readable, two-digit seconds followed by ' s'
2 h 58 min
